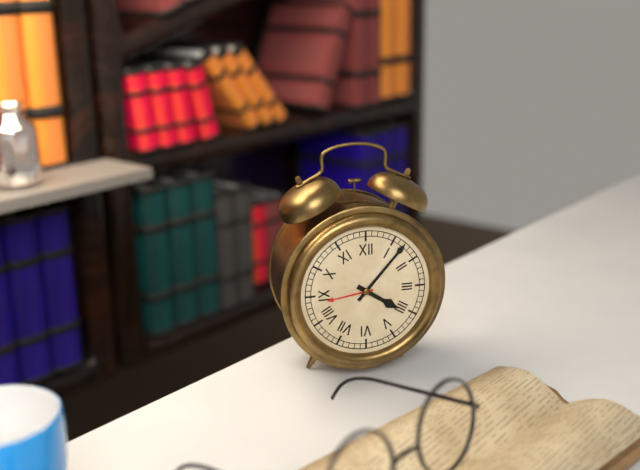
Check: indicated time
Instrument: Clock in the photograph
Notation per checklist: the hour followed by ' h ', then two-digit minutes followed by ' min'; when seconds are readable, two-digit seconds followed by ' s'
4 h 07 min
